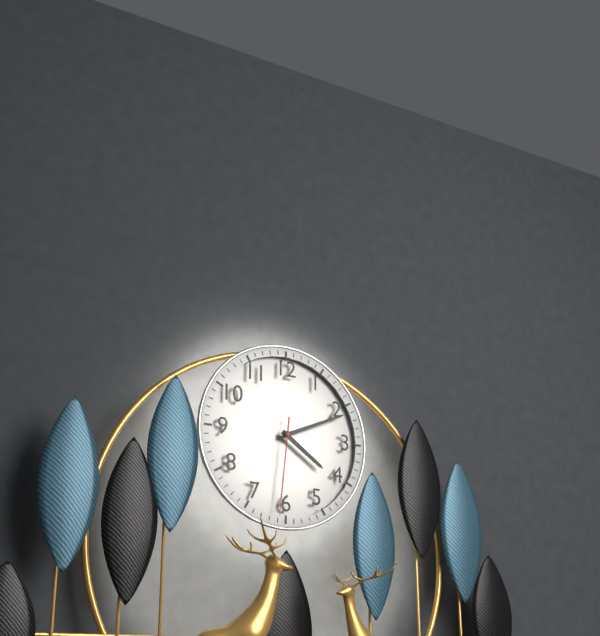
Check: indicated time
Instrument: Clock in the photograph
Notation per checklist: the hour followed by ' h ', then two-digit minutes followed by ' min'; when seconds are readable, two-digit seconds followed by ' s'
4 h 11 min 31 s
